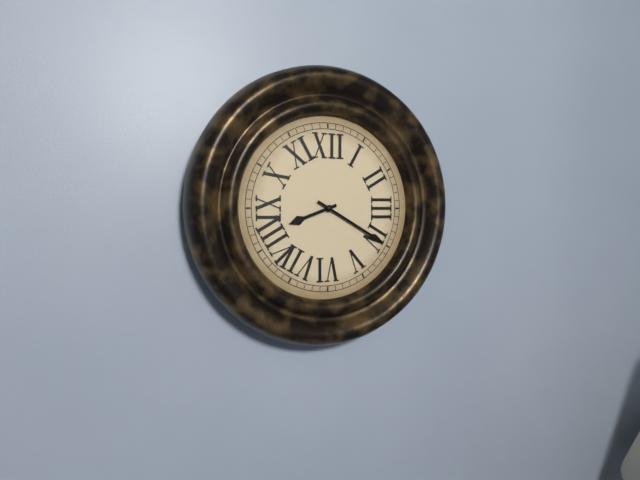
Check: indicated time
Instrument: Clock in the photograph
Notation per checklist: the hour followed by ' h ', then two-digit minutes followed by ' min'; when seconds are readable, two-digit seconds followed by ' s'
8 h 20 min
